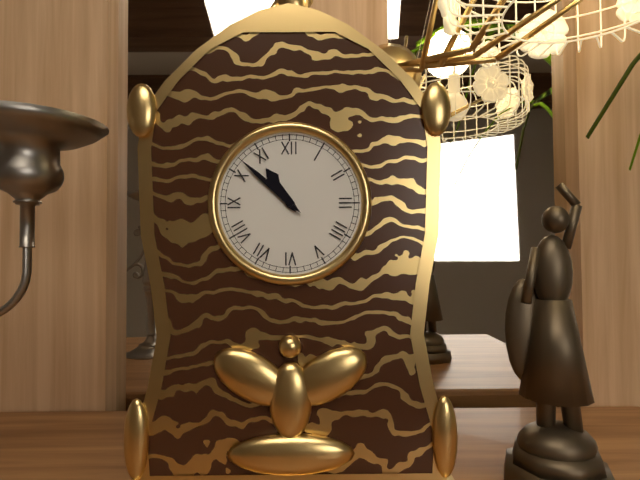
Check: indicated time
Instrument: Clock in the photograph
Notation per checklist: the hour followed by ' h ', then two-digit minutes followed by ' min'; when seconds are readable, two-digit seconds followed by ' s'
10 h 52 min
